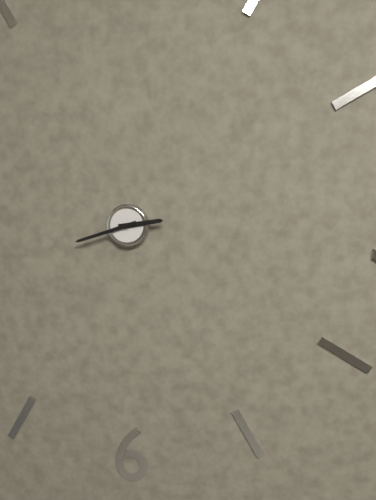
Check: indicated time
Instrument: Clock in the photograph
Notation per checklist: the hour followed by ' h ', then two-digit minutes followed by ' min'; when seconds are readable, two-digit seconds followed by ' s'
2 h 42 min
